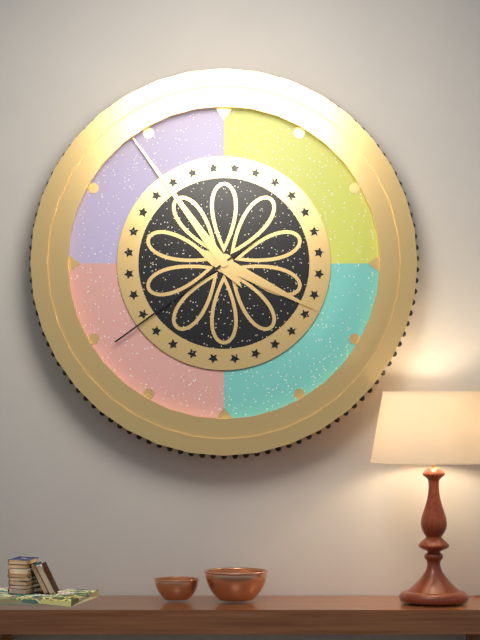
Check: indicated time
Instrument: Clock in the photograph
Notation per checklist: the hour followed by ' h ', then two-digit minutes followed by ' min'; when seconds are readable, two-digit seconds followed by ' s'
3 h 54 min 39 s
